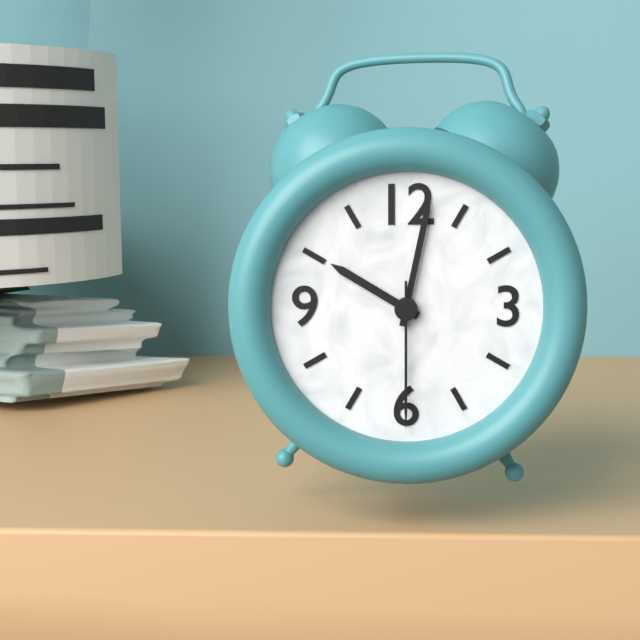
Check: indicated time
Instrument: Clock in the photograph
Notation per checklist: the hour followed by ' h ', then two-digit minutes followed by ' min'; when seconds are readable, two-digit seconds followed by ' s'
10 h 02 min 30 s
